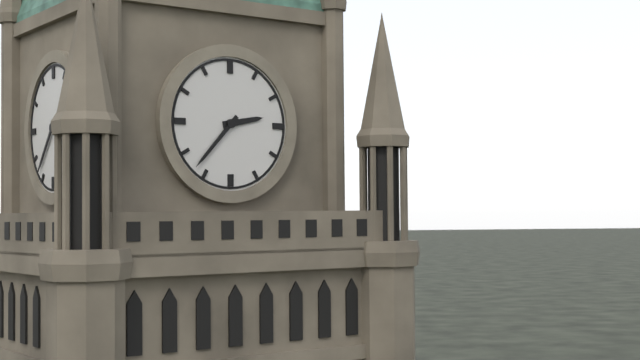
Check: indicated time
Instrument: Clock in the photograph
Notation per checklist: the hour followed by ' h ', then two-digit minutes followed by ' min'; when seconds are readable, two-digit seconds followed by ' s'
2 h 37 min
